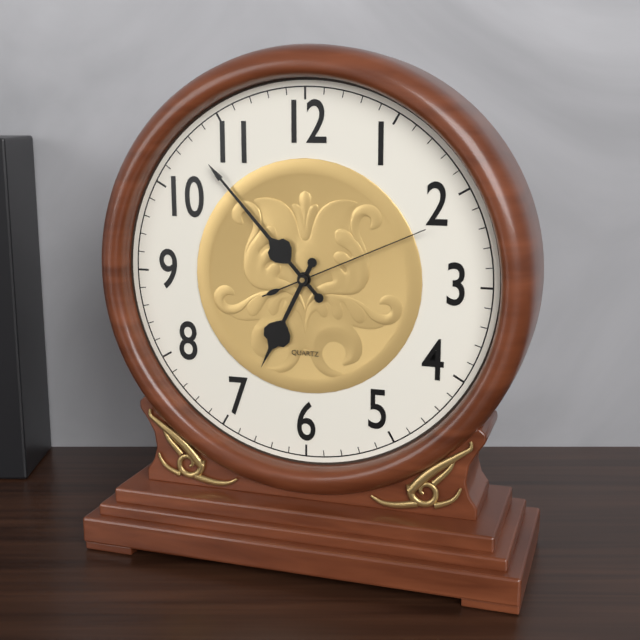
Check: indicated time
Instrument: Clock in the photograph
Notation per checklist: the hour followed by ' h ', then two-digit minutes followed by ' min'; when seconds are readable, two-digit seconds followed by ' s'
6 h 53 min 11 s
